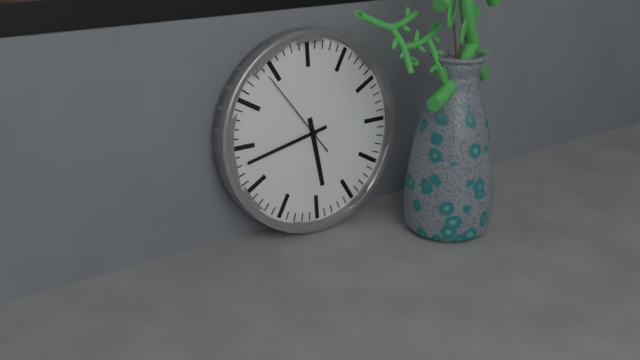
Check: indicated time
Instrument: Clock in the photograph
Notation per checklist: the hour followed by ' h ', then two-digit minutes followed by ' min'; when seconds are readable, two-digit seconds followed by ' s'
5 h 43 min 54 s
